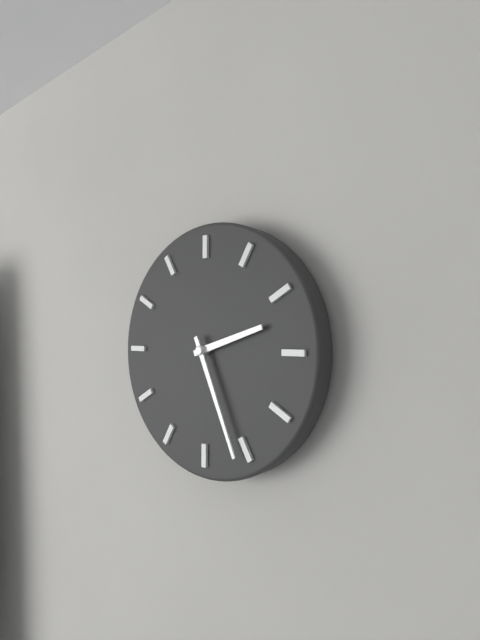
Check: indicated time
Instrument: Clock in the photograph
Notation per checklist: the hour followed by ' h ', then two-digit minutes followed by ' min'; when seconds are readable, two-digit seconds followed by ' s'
2 h 26 min
